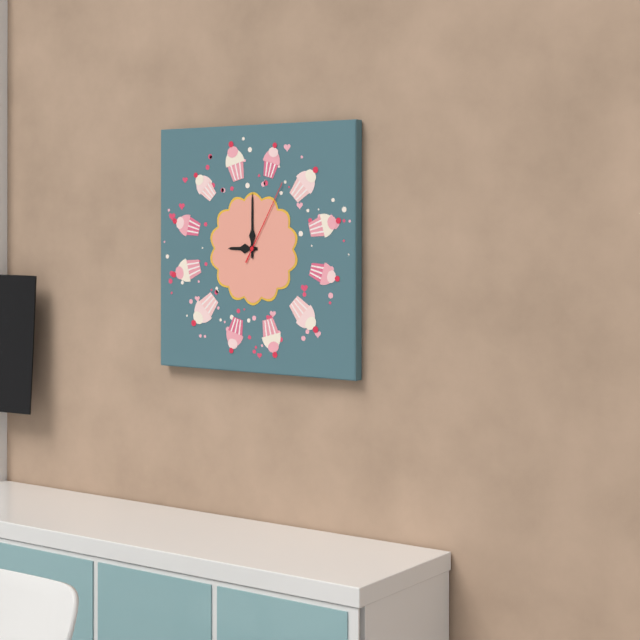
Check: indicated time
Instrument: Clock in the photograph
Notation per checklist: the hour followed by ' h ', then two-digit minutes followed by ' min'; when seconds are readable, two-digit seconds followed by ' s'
9 h 00 min 05 s
